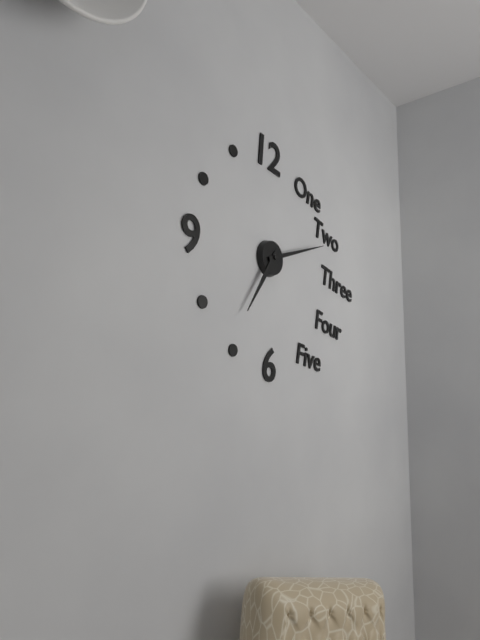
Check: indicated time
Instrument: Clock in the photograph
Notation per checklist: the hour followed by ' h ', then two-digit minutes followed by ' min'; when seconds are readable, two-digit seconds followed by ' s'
7 h 12 min
